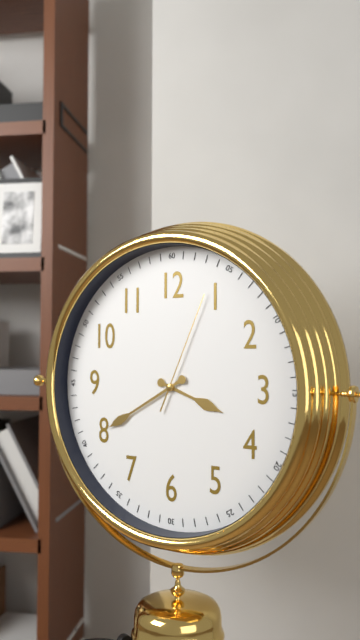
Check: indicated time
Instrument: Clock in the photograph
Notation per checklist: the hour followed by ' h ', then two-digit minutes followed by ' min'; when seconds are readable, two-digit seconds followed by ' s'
3 h 40 min 04 s
